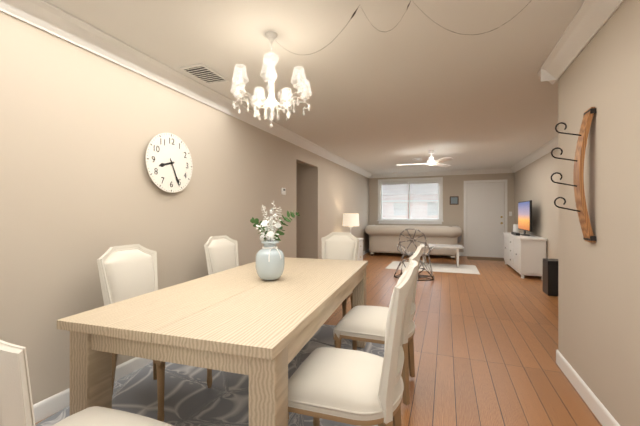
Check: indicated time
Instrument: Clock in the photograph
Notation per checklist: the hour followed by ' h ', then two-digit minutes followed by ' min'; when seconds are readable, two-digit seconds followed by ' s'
8 h 26 min
